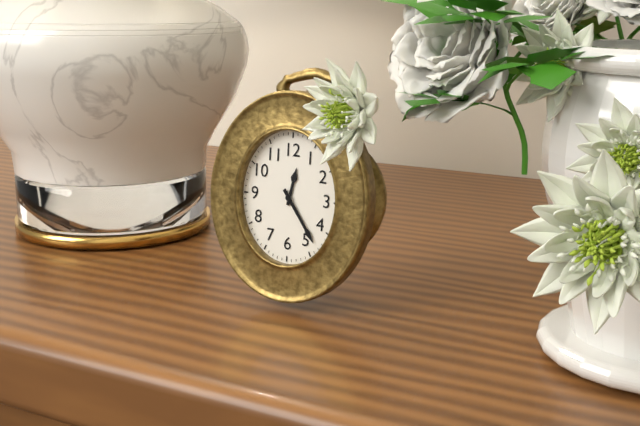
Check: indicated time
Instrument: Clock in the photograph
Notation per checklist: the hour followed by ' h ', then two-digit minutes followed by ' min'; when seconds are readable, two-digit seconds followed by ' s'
12 h 24 min
